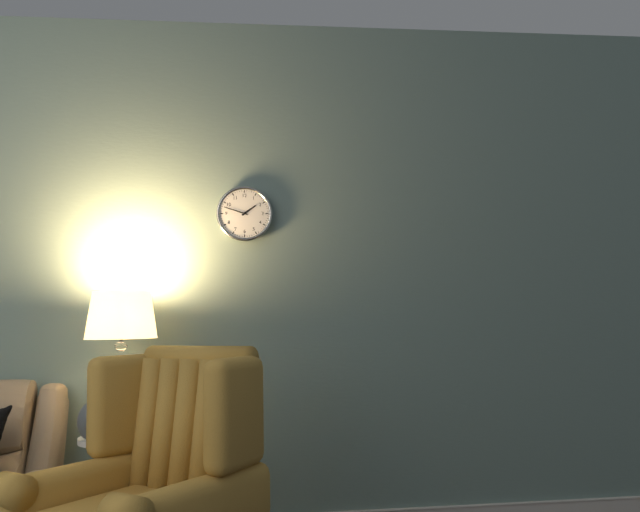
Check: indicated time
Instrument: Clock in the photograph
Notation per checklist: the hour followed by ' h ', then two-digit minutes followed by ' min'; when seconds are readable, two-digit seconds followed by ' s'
1 h 48 min
